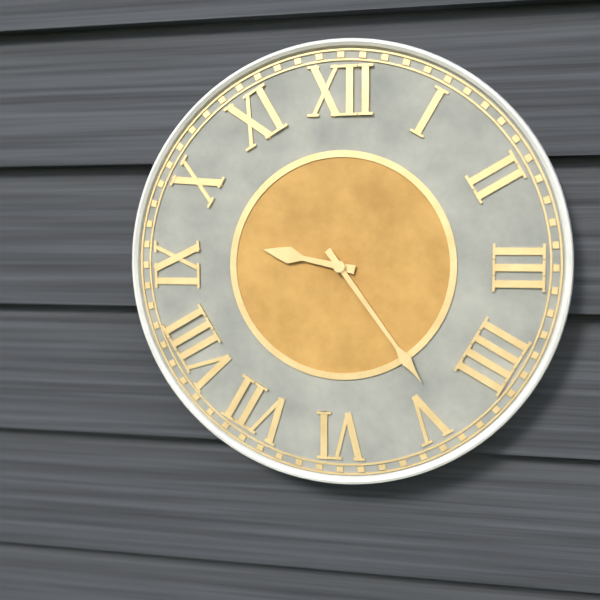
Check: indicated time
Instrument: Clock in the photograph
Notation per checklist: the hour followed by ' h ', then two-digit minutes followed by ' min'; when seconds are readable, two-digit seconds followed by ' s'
9 h 24 min
